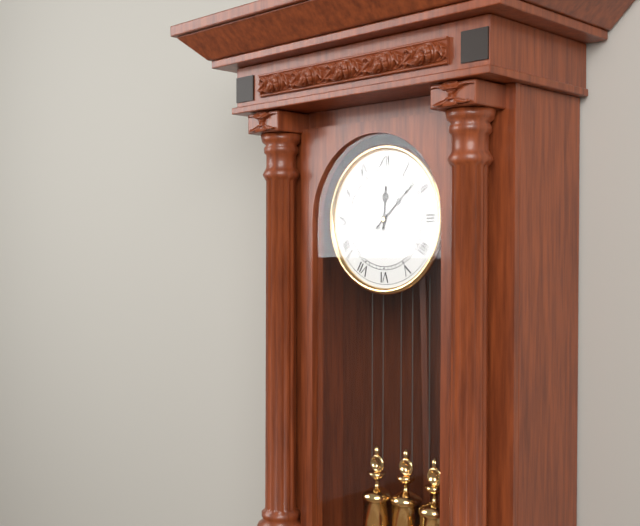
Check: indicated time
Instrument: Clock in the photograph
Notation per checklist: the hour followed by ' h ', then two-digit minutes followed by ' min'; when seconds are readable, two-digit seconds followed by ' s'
12 h 08 min
